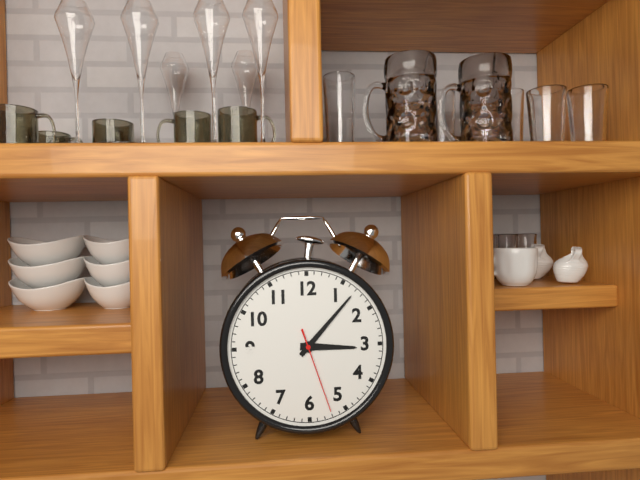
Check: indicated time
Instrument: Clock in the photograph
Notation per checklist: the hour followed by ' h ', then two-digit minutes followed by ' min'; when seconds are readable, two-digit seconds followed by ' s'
3 h 07 min 27 s
